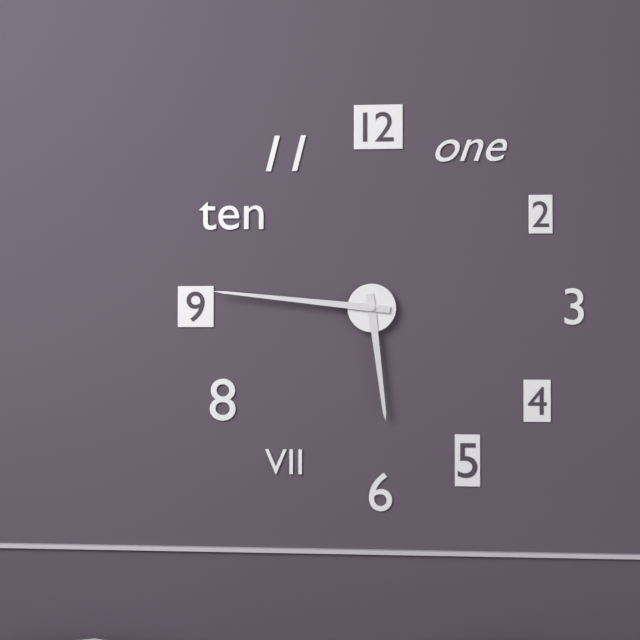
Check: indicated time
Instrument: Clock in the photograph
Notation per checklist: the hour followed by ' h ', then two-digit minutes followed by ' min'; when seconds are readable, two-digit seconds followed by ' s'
5 h 46 min
